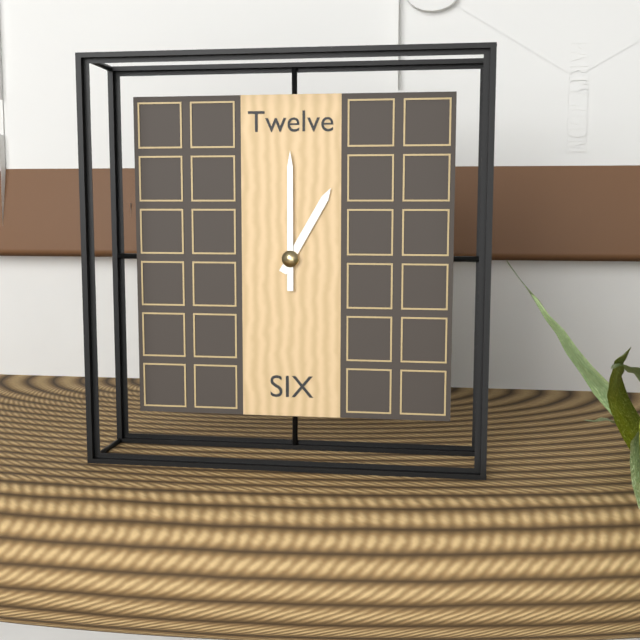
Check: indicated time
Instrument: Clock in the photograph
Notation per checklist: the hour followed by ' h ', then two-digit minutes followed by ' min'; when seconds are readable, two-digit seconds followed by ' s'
1 h 00 min
